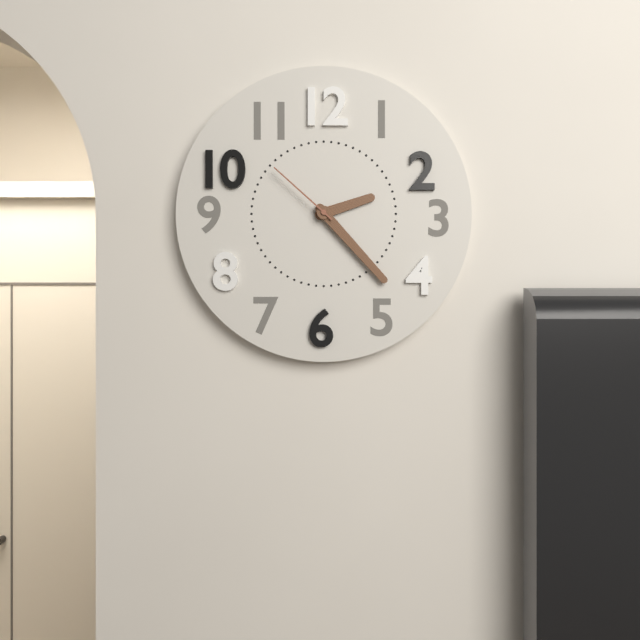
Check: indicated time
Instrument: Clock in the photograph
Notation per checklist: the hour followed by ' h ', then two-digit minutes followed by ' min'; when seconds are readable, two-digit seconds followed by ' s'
2 h 23 min 52 s
